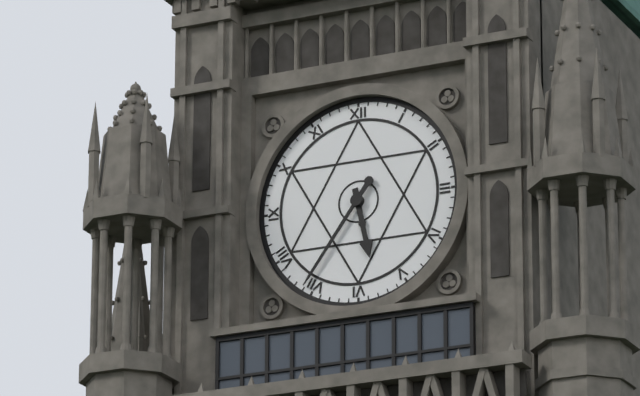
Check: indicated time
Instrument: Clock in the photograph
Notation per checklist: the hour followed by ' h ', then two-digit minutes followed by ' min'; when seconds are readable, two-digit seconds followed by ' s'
5 h 36 min
